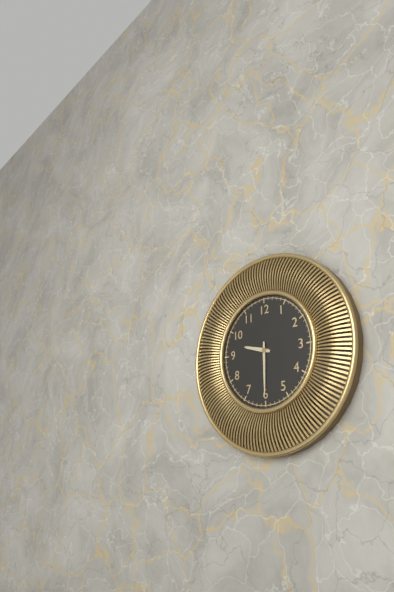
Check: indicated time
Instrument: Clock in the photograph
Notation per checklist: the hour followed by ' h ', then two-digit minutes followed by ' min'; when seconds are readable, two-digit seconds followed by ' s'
9 h 30 min
